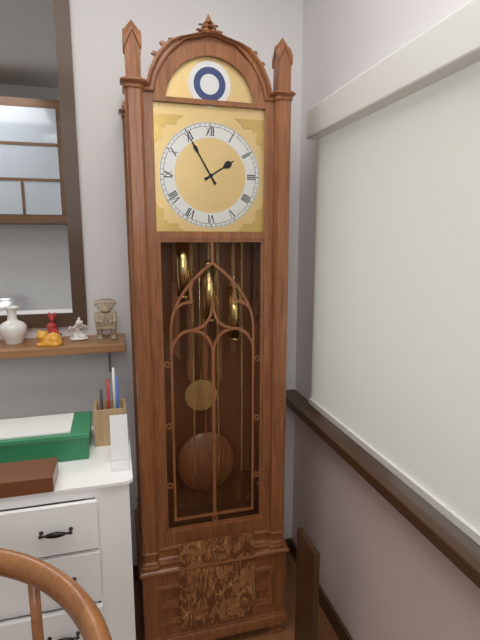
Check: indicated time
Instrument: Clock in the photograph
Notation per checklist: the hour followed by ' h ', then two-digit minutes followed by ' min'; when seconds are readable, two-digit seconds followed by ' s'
1 h 55 min
